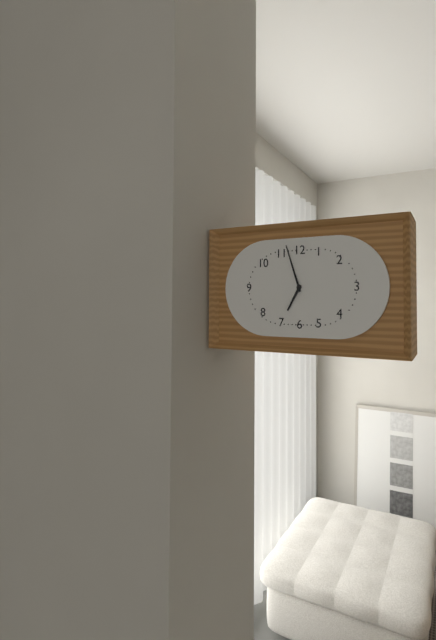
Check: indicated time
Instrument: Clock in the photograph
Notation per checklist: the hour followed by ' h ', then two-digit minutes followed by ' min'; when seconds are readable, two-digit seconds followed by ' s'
6 h 57 min
